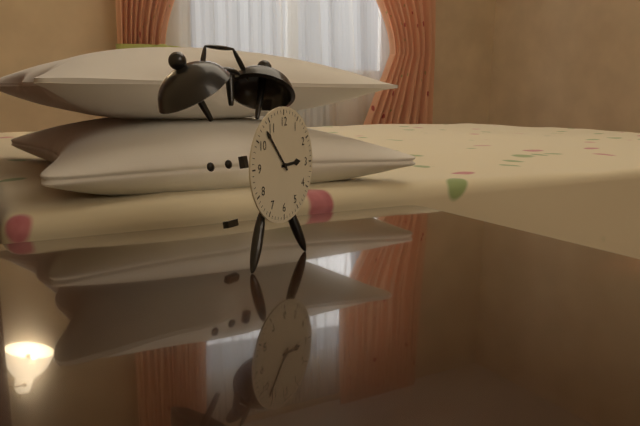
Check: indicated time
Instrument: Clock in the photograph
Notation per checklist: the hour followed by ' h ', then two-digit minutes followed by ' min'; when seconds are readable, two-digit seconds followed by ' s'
2 h 53 min
